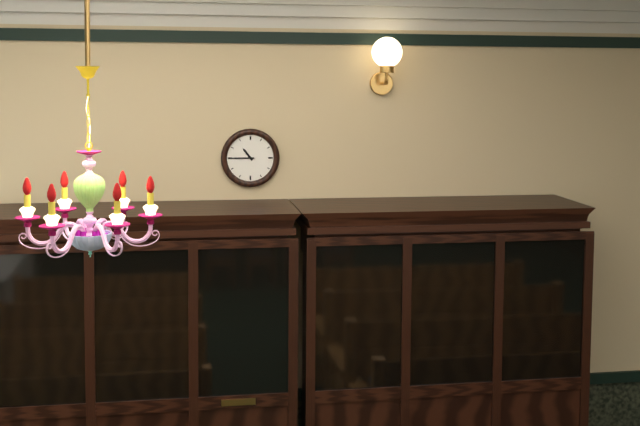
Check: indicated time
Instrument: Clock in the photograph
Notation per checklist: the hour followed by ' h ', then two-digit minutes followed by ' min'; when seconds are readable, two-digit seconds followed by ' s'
10 h 45 min
